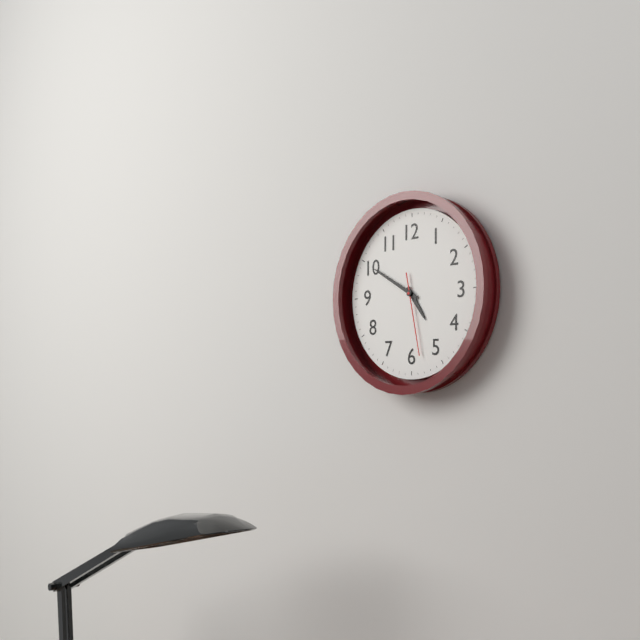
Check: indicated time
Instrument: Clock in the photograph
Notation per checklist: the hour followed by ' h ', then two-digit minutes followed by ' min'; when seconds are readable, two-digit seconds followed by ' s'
4 h 50 min 28 s
